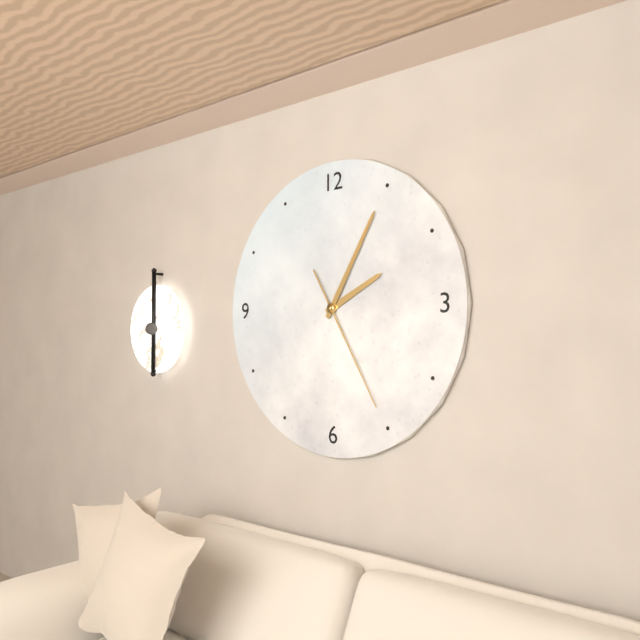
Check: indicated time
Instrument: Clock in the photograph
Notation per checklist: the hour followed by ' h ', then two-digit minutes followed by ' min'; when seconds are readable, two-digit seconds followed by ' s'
2 h 05 min 25 s
